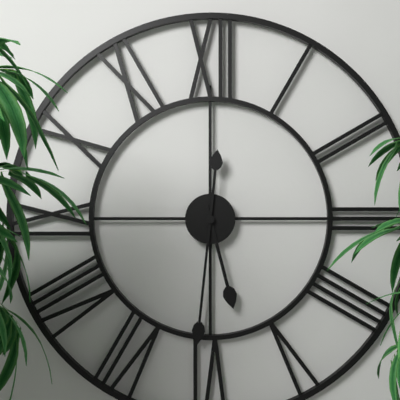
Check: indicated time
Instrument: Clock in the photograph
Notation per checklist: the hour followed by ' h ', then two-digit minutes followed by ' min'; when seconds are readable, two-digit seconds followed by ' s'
5 h 31 min
